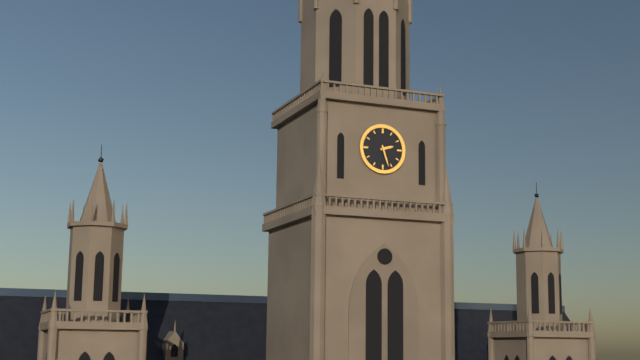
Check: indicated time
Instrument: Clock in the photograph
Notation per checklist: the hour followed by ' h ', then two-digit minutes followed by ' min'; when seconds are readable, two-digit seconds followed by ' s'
2 h 27 min
